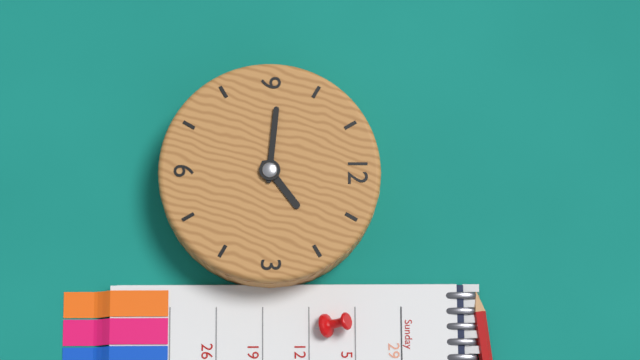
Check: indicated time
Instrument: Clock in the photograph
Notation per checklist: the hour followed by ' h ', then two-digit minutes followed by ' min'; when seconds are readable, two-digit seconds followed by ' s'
1 h 46 min
